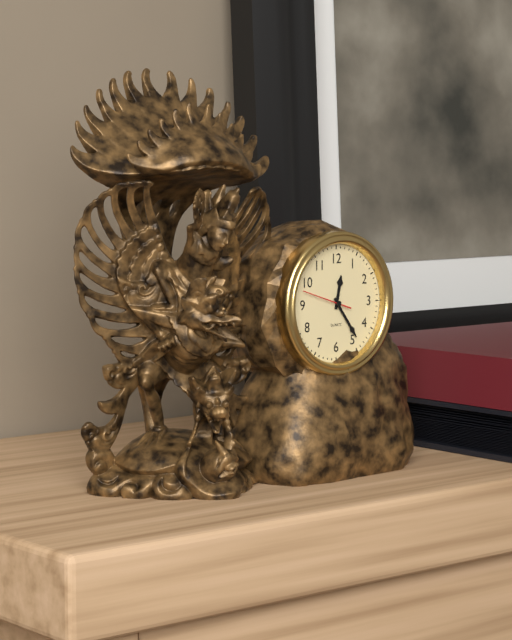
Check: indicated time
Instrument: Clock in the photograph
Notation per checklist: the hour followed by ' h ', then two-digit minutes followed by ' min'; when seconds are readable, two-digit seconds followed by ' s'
12 h 24 min
